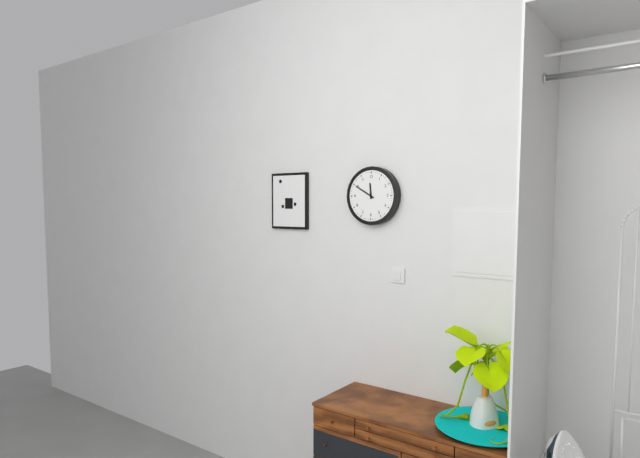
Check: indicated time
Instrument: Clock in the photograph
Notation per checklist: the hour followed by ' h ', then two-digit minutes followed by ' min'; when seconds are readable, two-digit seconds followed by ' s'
11 h 50 min
